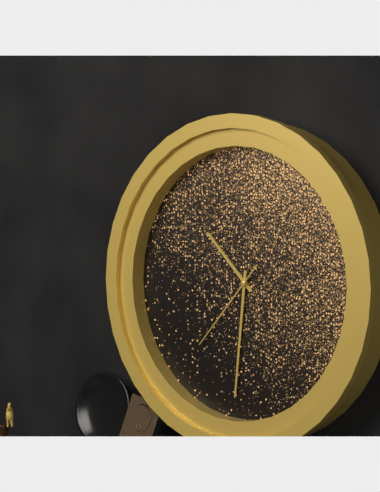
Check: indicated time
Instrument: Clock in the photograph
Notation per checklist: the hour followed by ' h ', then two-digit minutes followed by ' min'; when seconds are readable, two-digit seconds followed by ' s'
10 h 31 min 37 s
